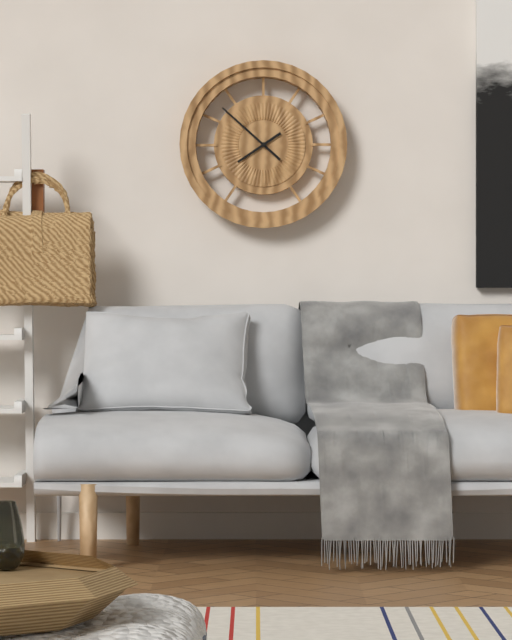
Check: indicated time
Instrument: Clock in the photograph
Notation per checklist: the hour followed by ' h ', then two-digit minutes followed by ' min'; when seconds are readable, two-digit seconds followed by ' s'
7 h 52 min
